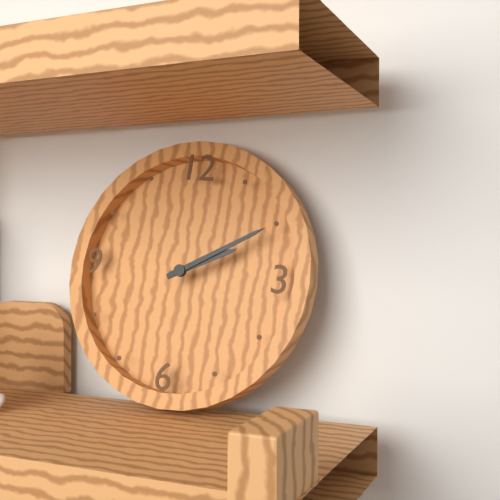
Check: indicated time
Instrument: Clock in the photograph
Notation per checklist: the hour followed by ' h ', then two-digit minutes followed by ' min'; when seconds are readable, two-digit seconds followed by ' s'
2 h 10 min
